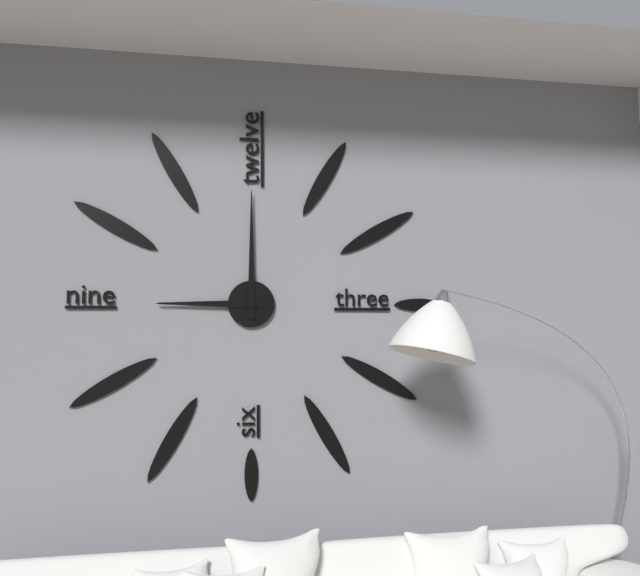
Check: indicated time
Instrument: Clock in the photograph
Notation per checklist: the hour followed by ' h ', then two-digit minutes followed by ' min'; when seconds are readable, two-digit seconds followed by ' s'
9 h 00 min
